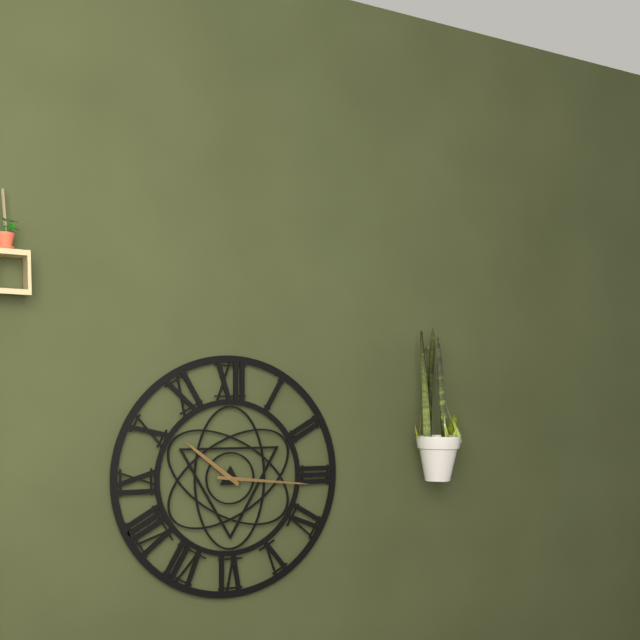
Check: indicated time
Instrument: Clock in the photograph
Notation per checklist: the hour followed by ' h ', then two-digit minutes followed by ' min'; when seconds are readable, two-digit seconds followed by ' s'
10 h 16 min
